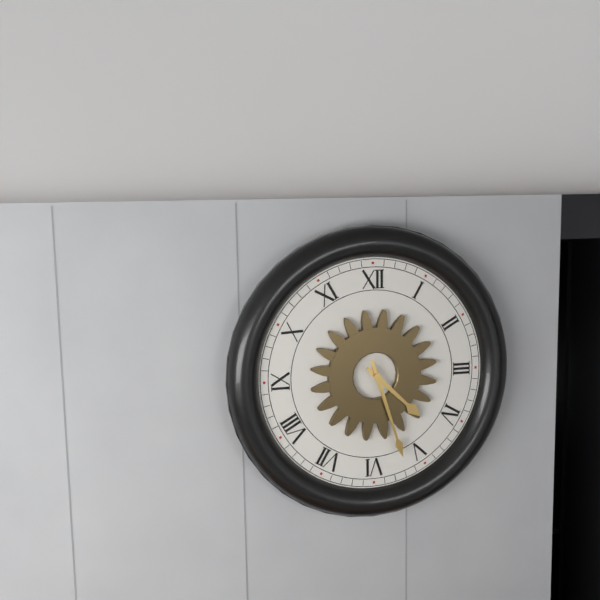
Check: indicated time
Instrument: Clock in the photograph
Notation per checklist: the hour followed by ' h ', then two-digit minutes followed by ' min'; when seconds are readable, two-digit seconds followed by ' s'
4 h 27 min
